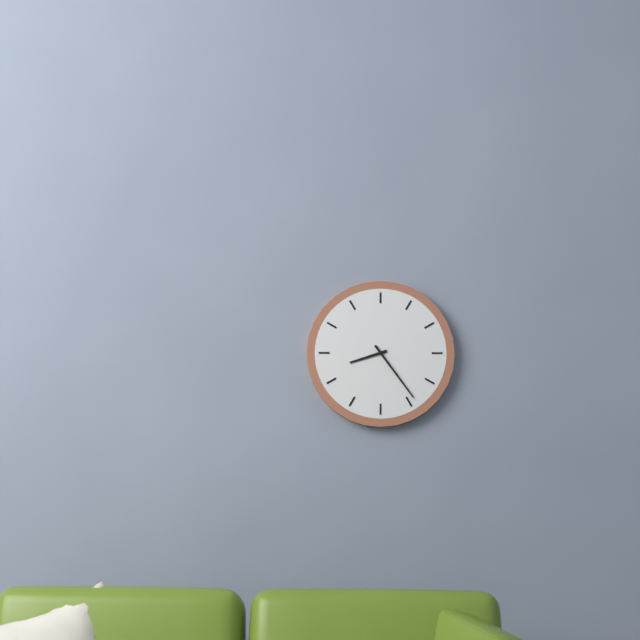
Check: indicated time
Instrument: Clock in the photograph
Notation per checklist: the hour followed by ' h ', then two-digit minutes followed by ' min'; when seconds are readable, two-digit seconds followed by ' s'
8 h 24 min
